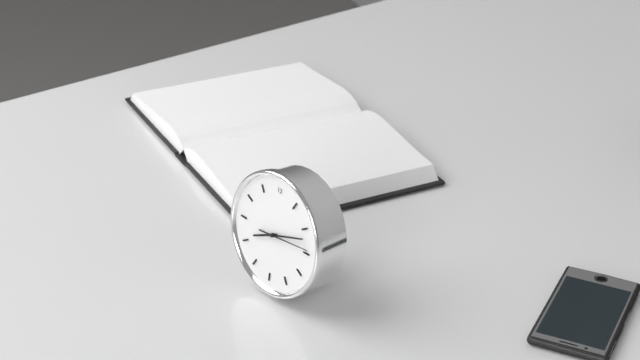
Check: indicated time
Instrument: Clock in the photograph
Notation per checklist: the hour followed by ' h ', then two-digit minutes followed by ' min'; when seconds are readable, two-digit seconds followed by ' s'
8 h 12 min
